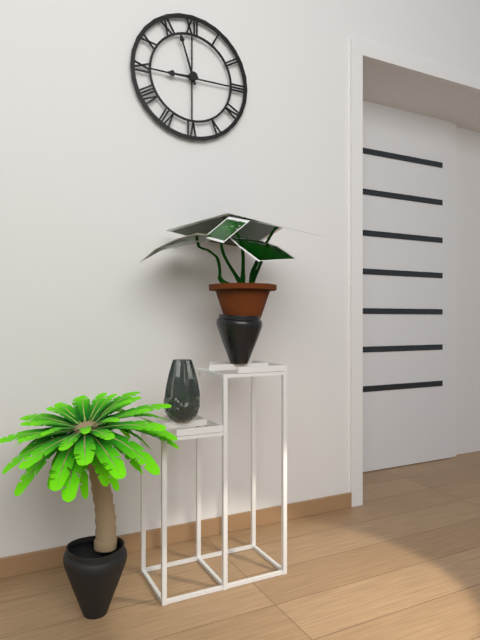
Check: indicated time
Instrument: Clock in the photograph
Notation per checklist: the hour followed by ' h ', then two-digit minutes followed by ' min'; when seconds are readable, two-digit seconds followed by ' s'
8 h 57 min
